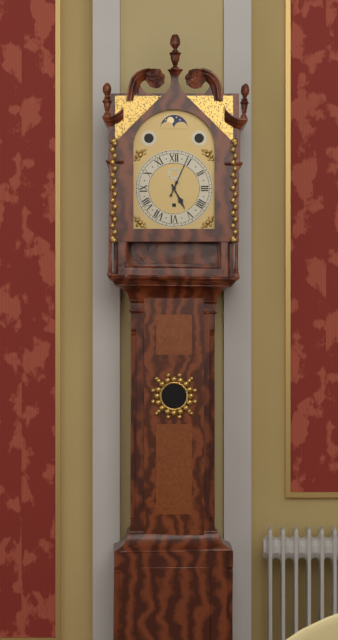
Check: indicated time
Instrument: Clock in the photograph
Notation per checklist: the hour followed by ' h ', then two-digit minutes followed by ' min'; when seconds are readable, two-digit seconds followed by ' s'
5 h 04 min
